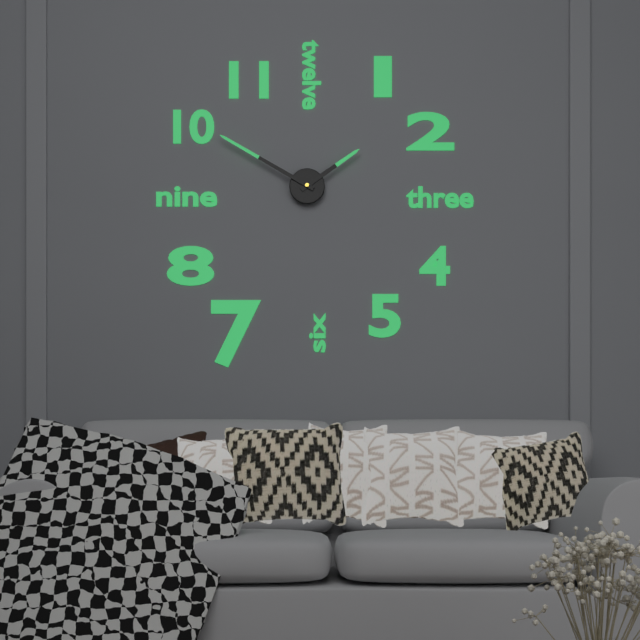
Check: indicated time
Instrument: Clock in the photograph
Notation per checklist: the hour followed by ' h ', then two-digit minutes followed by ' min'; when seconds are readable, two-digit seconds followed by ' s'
1 h 50 min
